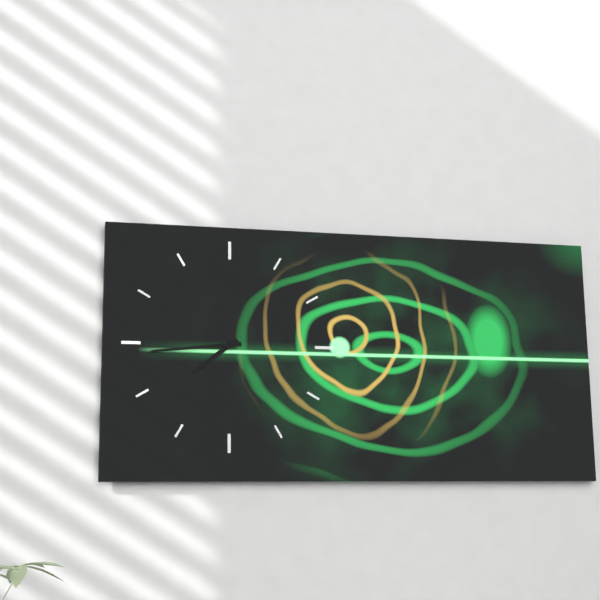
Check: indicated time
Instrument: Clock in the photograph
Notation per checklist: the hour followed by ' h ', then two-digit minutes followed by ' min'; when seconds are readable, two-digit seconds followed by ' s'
7 h 44 min
